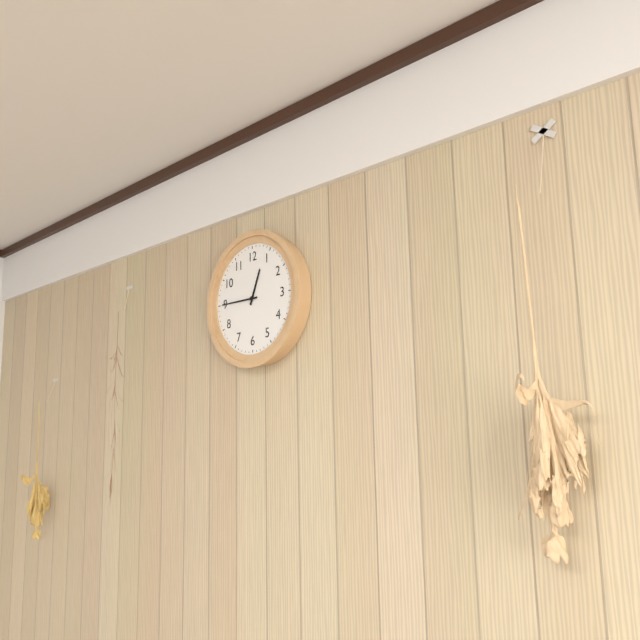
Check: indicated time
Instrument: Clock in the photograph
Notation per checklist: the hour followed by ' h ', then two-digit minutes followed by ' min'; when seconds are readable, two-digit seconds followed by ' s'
12 h 45 min
